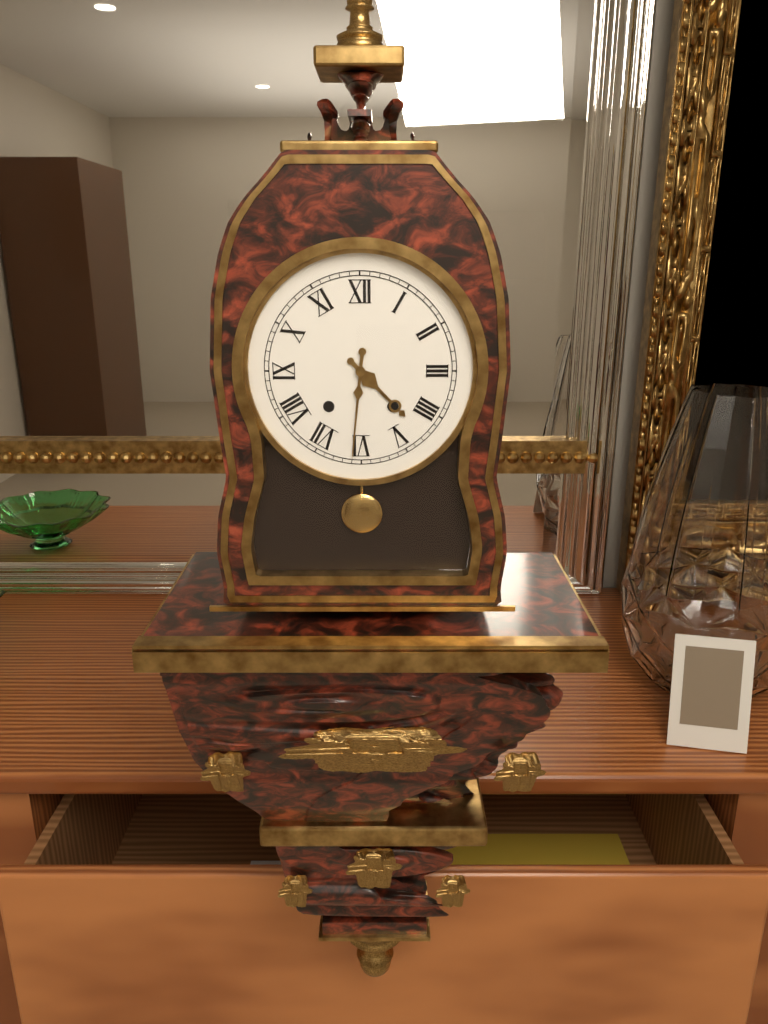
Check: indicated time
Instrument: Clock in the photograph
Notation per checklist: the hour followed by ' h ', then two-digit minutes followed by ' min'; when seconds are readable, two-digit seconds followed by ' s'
4 h 31 min
